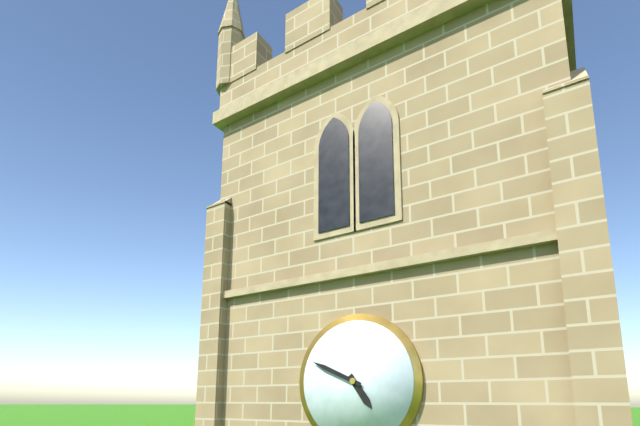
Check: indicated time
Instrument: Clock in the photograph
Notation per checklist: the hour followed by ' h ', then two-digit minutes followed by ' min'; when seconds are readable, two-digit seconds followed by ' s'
4 h 49 min
